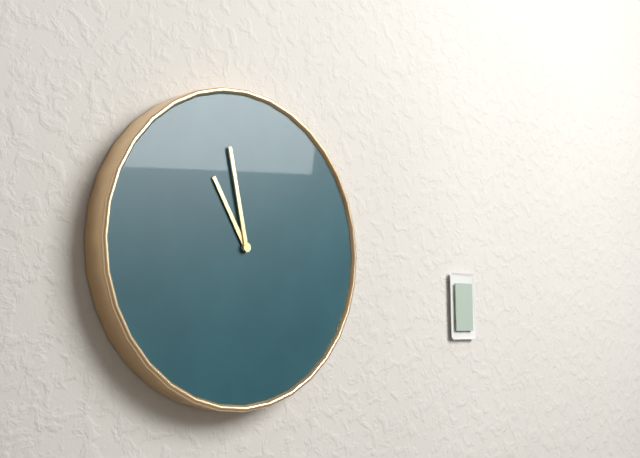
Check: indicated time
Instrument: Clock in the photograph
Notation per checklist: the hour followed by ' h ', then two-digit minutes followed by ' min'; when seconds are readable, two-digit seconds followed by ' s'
10 h 58 min
